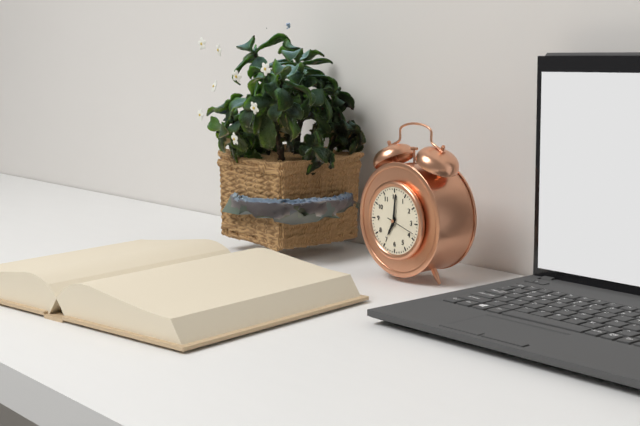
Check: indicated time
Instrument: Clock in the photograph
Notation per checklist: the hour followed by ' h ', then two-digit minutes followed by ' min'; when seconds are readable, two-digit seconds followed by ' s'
7 h 01 min
